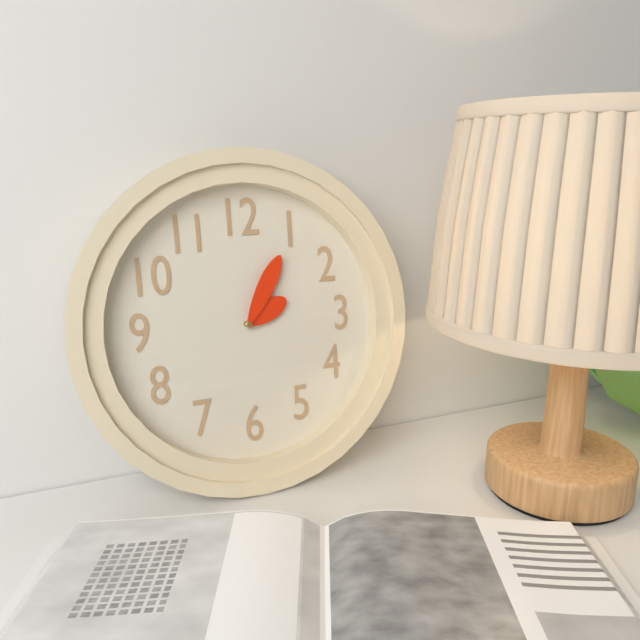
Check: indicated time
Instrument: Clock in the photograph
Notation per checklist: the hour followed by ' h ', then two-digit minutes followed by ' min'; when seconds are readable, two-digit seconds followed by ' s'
2 h 05 min
